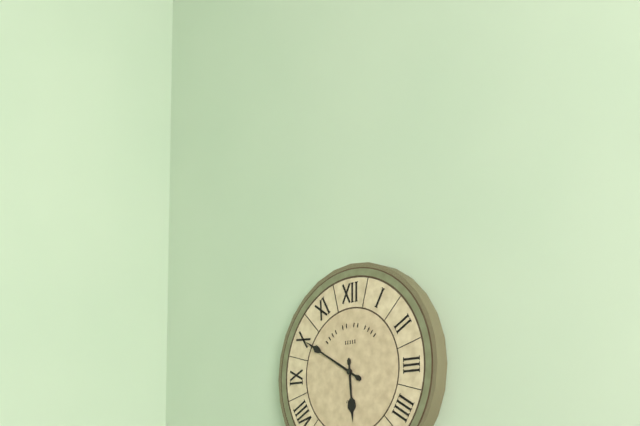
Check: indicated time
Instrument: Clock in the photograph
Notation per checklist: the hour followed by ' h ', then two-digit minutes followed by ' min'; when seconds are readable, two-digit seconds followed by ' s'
5 h 50 min
